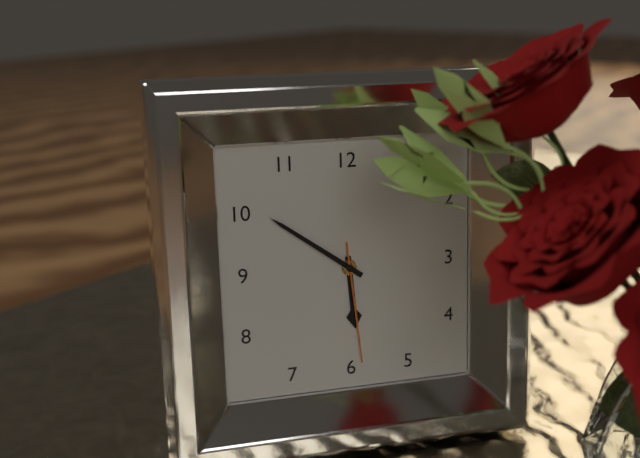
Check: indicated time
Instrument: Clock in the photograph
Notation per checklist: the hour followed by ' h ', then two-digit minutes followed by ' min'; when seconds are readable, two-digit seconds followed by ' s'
5 h 51 min 29 s
